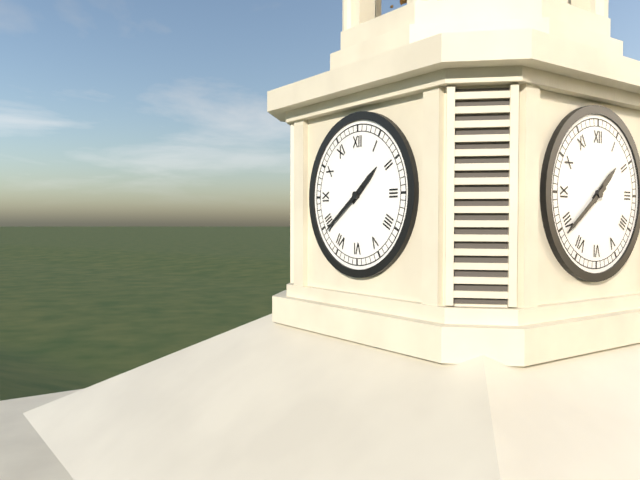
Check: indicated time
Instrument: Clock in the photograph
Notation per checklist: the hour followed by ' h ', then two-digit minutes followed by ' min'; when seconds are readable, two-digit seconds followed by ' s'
1 h 39 min
